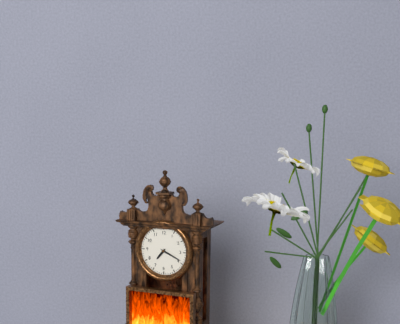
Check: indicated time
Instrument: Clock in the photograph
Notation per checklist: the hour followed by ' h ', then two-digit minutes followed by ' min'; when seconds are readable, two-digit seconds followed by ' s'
7 h 19 min
